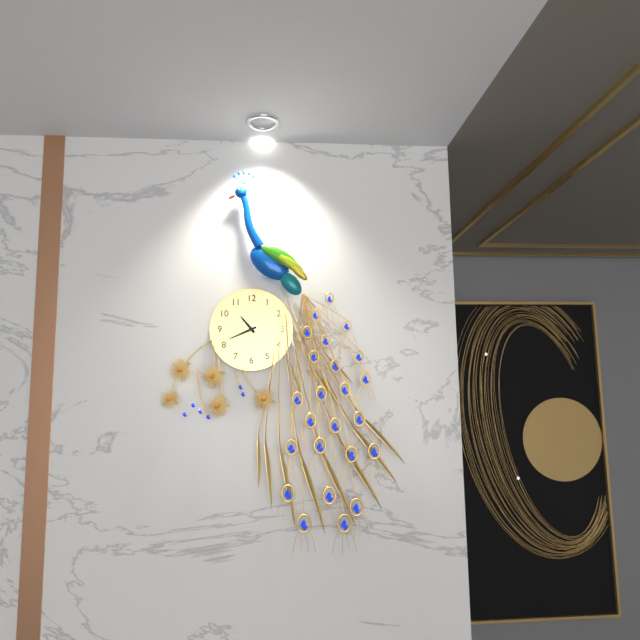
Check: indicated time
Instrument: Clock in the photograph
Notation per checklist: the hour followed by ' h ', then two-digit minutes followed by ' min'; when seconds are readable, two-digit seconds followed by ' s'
10 h 41 min
